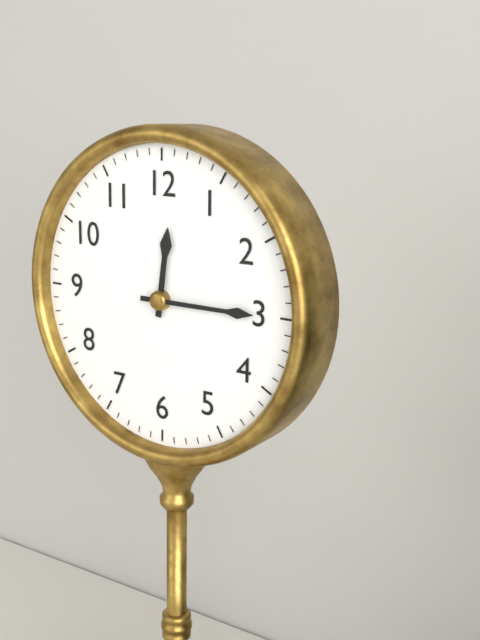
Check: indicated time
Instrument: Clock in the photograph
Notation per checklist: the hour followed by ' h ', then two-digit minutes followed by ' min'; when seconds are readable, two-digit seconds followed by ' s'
12 h 15 min
